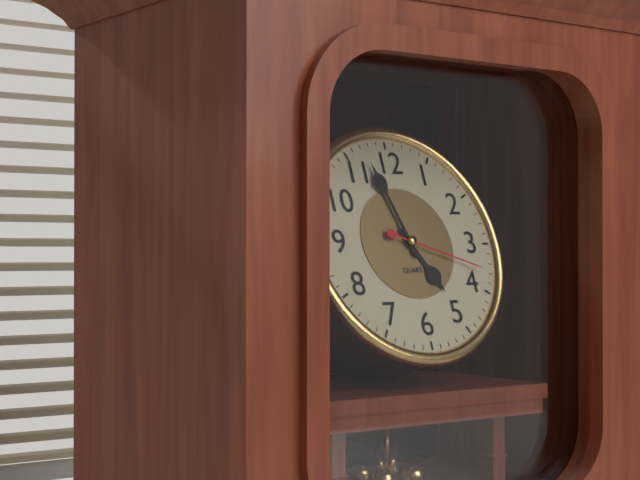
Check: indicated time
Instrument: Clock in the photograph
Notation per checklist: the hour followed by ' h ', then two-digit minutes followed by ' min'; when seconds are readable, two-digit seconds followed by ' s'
4 h 57 min 18 s
